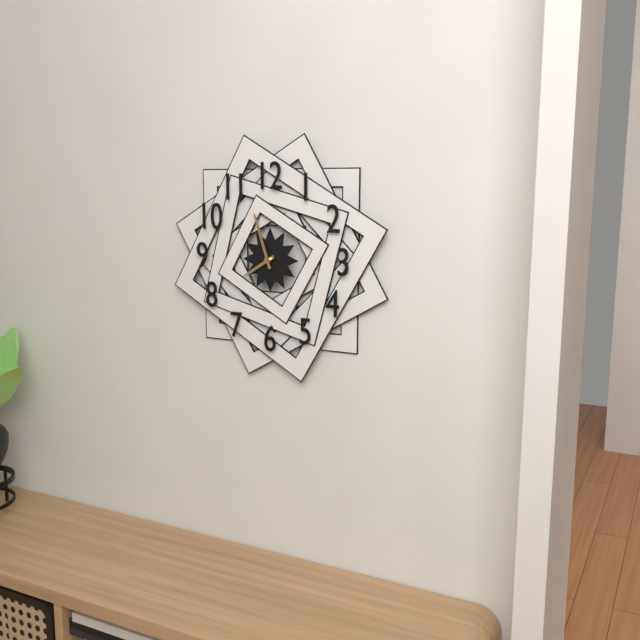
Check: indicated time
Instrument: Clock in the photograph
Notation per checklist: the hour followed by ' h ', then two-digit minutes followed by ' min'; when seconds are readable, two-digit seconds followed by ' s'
7 h 57 min
